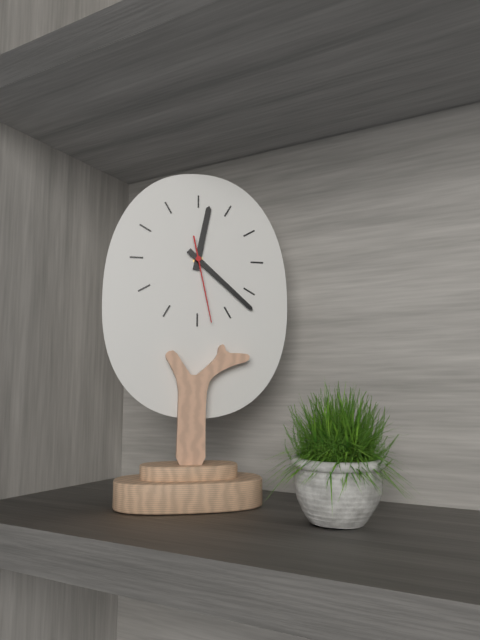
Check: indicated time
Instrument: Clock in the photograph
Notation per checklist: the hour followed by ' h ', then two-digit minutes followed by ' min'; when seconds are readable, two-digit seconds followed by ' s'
12 h 22 min 28 s
